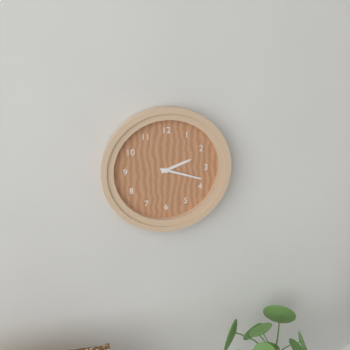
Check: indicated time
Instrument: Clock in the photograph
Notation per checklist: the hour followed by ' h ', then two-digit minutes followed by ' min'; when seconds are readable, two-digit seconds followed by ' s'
2 h 18 min
